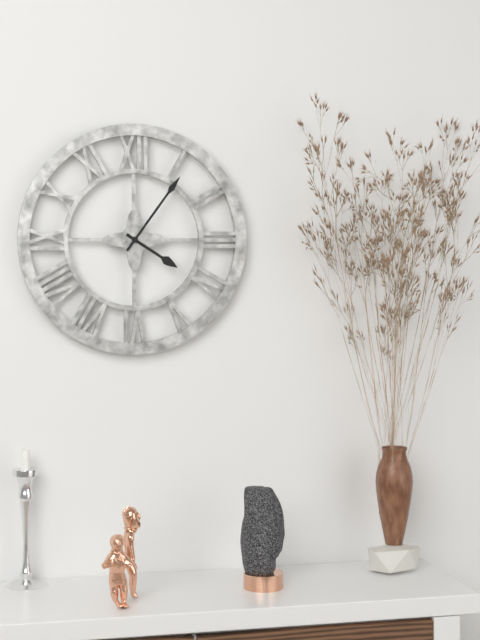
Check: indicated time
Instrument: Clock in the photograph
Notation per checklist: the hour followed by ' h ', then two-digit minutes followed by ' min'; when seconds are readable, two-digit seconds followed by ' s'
4 h 06 min
